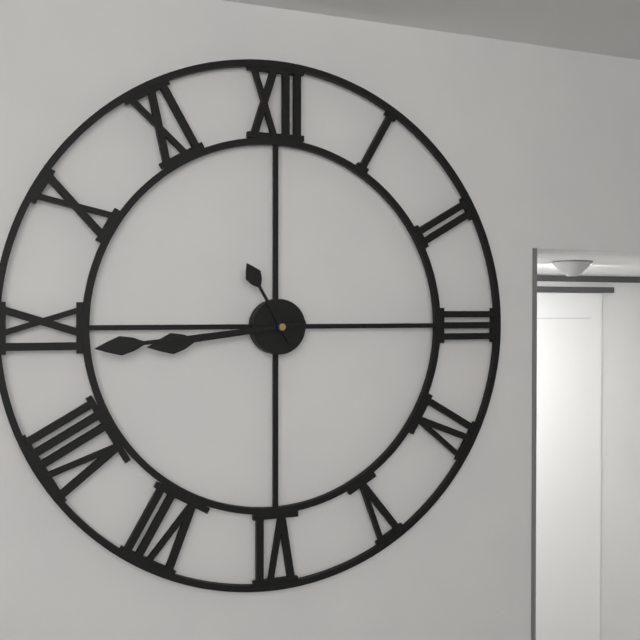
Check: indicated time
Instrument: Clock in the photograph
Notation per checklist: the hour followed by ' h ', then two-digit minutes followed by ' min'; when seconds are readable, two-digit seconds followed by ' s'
8 h 44 min 55 s
